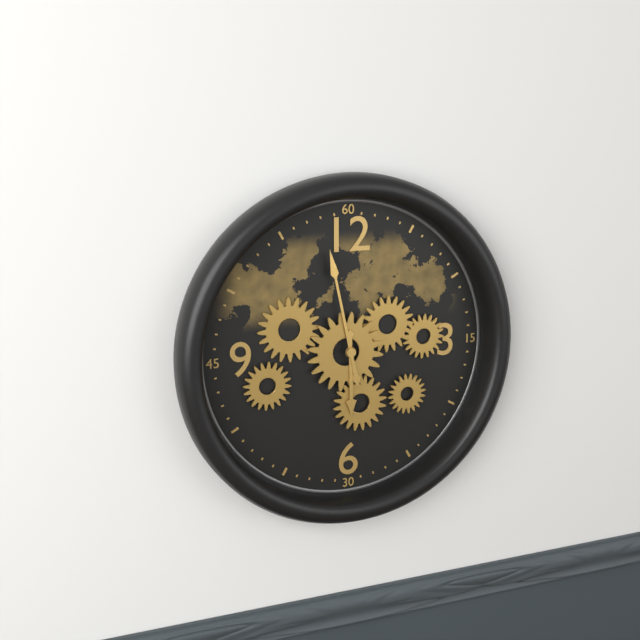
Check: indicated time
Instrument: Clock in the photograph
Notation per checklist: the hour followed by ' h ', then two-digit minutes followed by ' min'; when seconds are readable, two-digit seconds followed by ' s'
5 h 58 min
